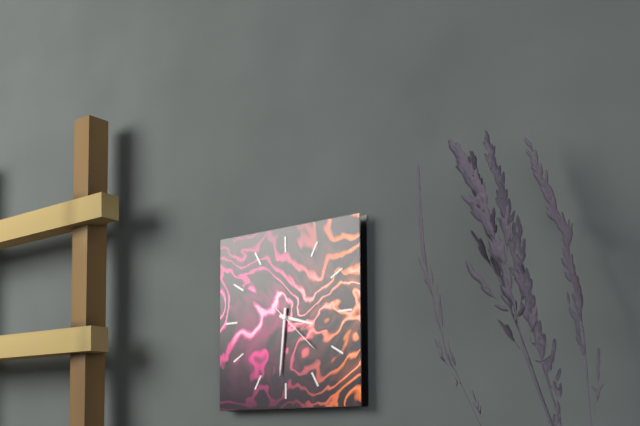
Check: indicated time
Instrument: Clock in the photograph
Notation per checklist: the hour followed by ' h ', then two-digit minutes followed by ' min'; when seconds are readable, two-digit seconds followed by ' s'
3 h 31 min 22 s
